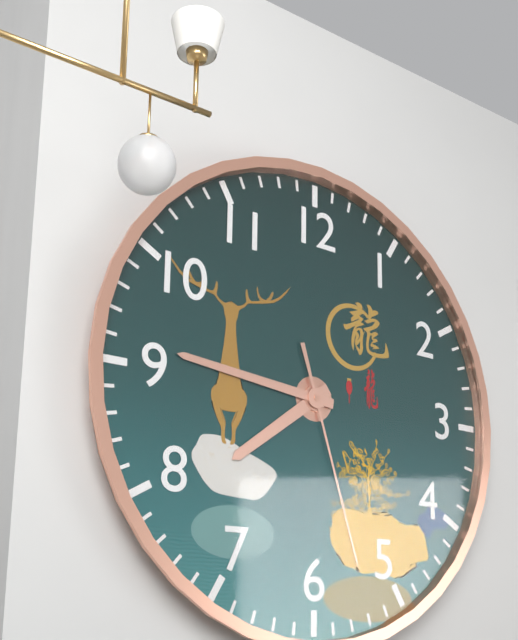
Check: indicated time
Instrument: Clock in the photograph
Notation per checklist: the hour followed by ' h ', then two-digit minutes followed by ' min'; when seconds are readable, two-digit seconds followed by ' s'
7 h 46 min 27 s
